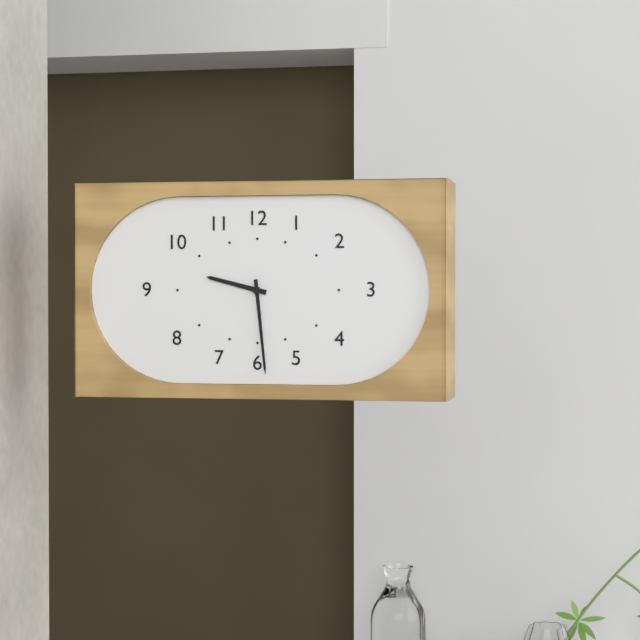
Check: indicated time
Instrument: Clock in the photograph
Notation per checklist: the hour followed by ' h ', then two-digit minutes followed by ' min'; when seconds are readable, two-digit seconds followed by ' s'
9 h 29 min
